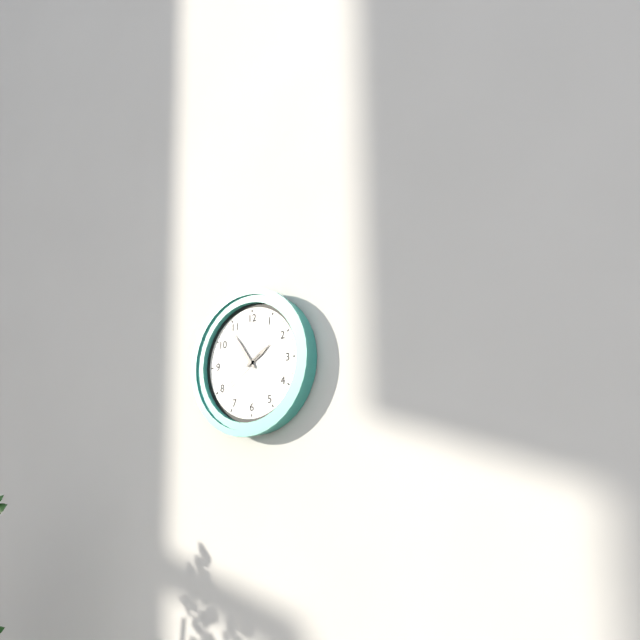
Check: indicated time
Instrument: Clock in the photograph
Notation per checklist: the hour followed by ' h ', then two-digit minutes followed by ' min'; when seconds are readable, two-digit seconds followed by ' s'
1 h 54 min 39 s
